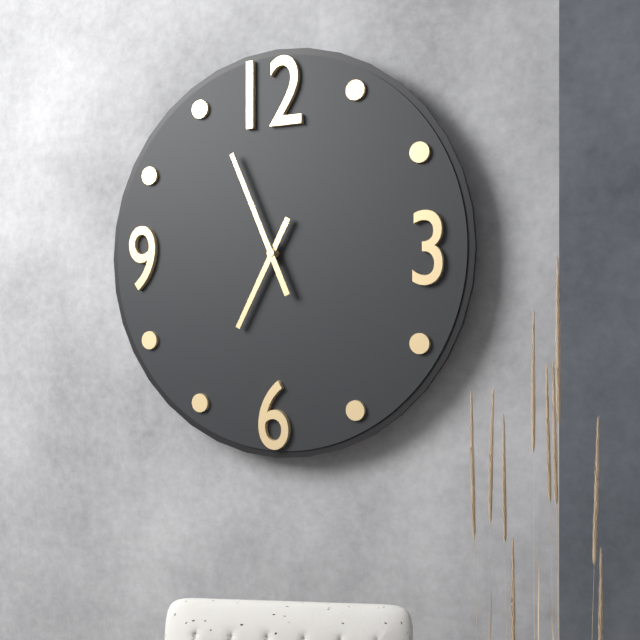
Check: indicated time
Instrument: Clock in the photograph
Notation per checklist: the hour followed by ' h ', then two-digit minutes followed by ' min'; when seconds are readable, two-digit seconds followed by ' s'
6 h 56 min
